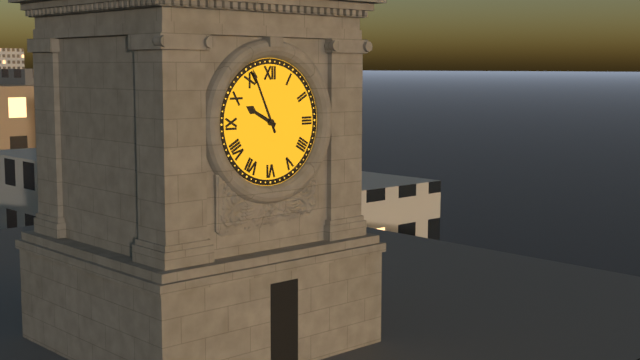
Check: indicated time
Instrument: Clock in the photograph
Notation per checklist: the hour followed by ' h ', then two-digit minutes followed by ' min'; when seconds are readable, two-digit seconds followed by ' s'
9 h 56 min
